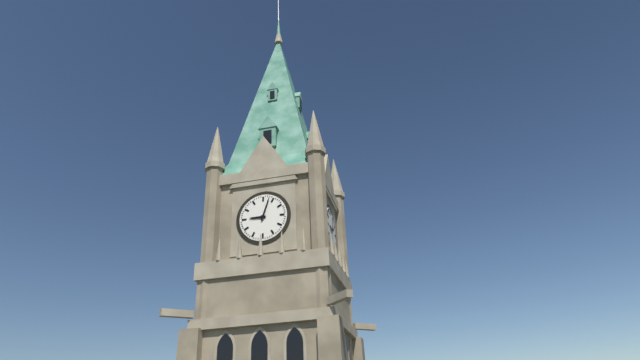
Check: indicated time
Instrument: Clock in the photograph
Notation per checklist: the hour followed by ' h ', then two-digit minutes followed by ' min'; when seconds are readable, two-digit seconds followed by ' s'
9 h 03 min
